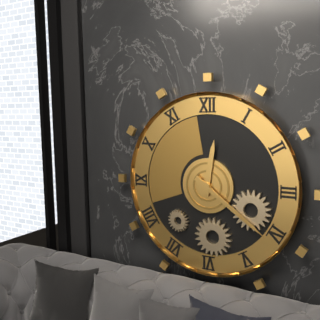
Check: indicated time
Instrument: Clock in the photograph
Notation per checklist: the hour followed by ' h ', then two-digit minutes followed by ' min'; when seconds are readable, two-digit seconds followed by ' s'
12 h 21 min
